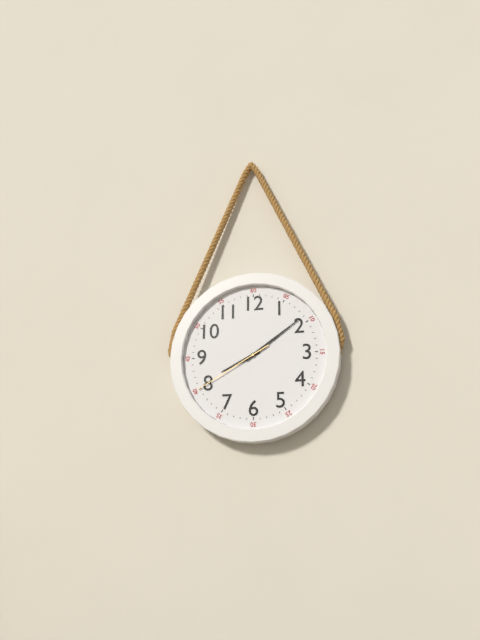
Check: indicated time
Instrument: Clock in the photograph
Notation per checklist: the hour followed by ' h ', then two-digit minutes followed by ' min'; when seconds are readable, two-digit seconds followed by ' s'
8 h 09 min 40 s
